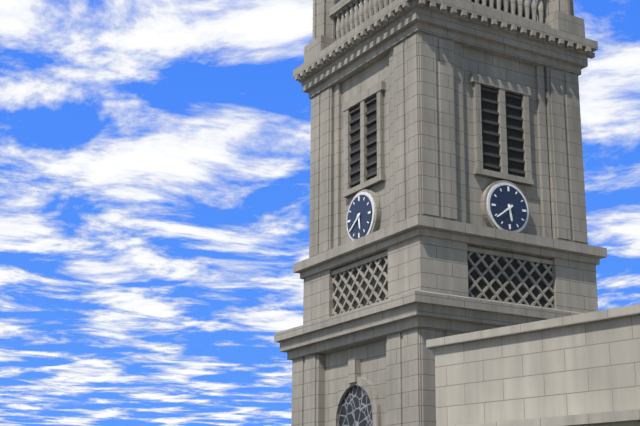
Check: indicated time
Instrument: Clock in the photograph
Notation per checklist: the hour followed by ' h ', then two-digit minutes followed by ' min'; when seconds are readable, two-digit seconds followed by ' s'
5 h 39 min
